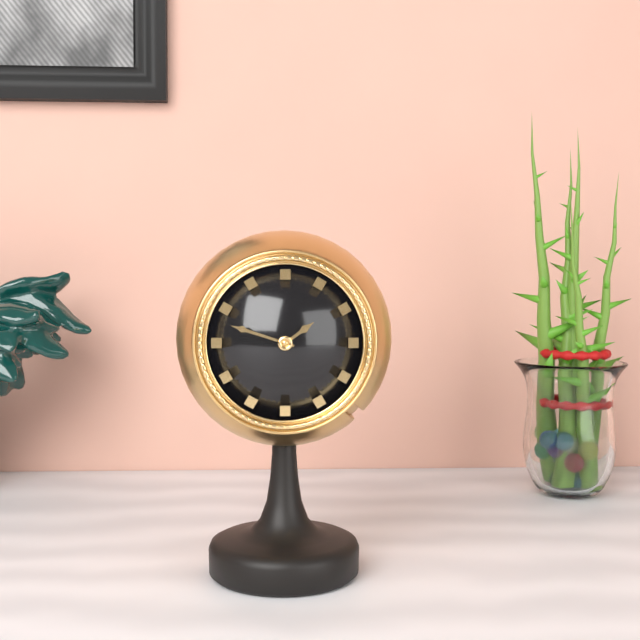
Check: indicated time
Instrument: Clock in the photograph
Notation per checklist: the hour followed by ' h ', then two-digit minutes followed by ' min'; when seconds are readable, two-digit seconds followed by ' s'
1 h 48 min
